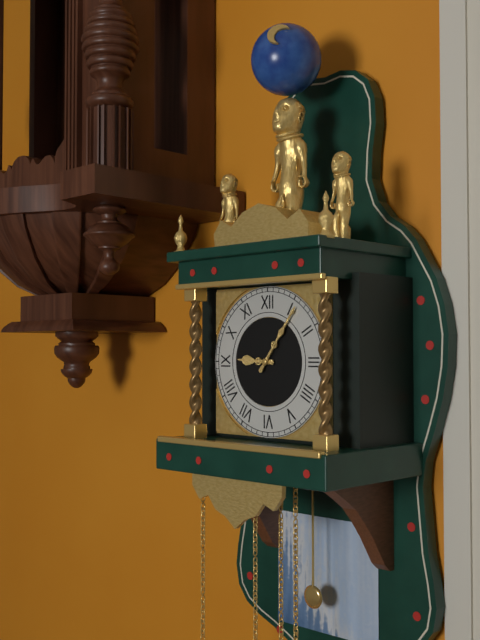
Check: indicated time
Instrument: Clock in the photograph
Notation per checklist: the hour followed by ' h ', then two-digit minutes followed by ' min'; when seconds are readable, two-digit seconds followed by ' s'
9 h 06 min
